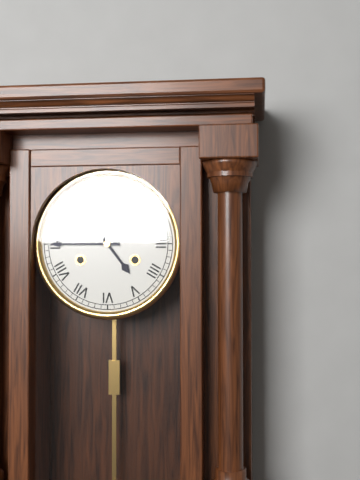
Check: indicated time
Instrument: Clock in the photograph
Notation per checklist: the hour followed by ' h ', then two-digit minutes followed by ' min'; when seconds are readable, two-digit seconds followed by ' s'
4 h 45 min
